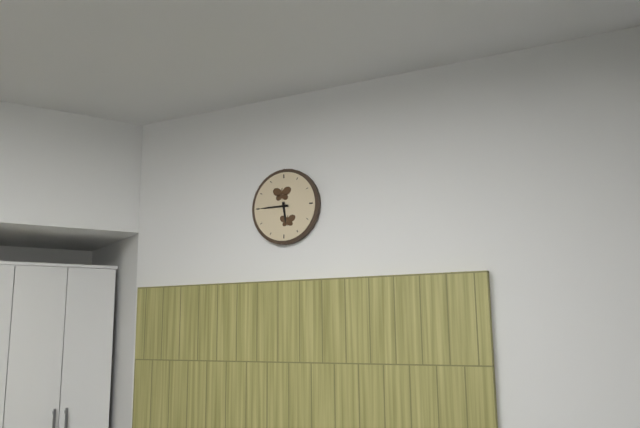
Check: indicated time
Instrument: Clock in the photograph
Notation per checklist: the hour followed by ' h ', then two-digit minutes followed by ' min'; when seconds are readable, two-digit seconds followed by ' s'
5 h 45 min
